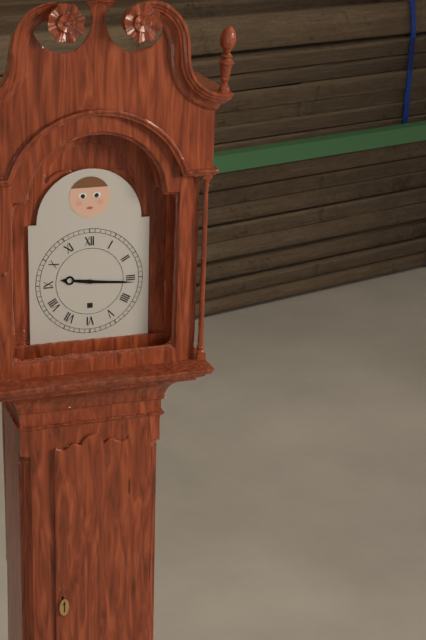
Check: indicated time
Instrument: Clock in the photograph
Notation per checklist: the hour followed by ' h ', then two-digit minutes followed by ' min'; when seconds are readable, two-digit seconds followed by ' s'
9 h 16 min
